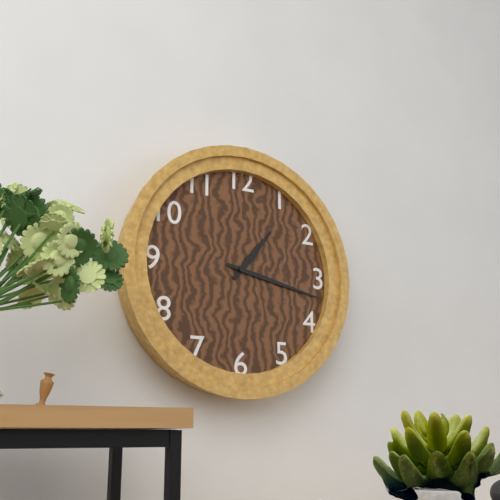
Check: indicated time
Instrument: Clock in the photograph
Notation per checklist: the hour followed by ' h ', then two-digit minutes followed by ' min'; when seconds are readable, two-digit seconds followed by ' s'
1 h 17 min
